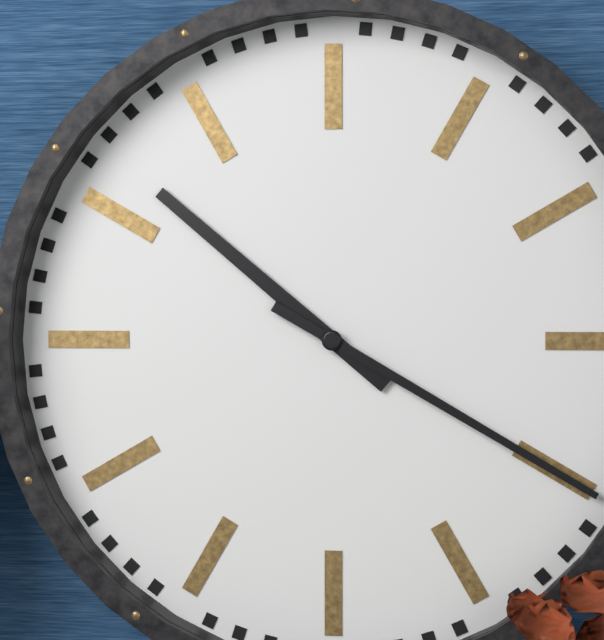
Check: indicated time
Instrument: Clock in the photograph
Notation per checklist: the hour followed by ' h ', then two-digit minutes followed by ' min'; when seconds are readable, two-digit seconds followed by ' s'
10 h 20 min
